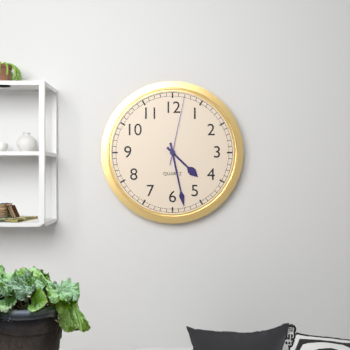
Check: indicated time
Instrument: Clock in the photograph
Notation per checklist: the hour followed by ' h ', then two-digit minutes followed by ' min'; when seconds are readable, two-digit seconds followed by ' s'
4 h 28 min 02 s
